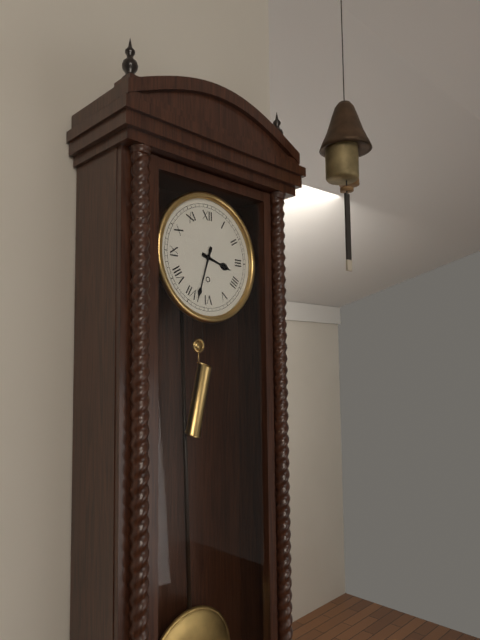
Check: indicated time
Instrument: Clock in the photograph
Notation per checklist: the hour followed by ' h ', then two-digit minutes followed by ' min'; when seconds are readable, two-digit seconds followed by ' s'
3 h 33 min
